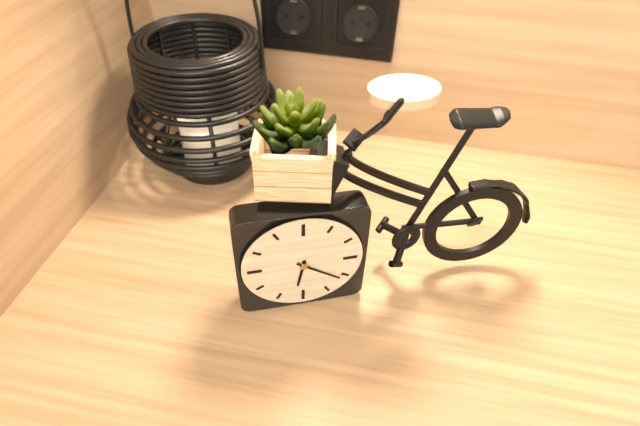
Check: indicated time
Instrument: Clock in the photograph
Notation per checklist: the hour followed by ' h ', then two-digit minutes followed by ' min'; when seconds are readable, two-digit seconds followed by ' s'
6 h 21 min
